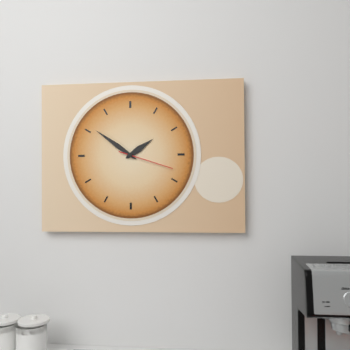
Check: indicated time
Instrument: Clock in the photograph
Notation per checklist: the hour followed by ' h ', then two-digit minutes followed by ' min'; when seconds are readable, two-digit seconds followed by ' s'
1 h 51 min 18 s
